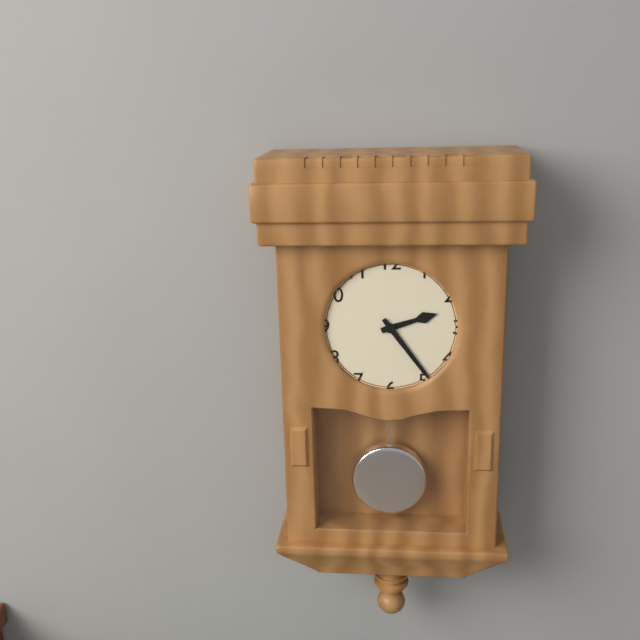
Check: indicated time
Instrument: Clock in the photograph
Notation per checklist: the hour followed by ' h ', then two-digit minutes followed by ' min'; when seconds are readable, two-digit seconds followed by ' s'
2 h 24 min
